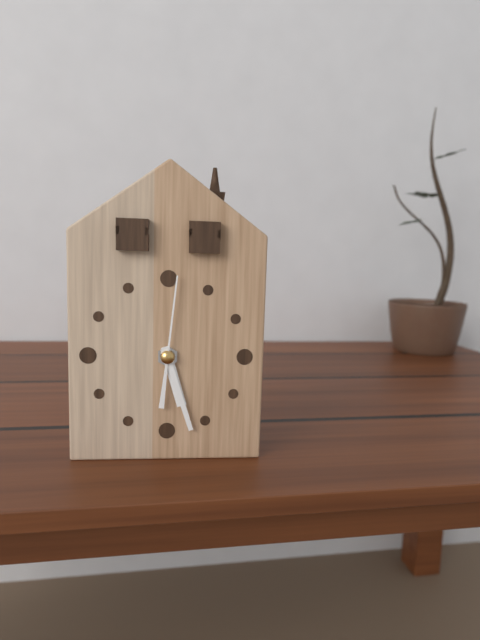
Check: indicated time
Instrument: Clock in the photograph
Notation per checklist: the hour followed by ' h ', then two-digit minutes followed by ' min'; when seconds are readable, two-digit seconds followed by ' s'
5 h 27 min 01 s
